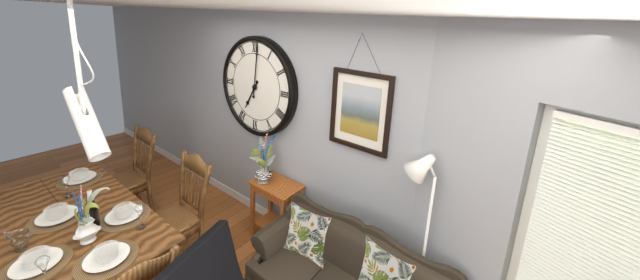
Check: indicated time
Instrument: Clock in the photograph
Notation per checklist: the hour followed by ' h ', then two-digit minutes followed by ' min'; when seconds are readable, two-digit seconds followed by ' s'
7 h 01 min
